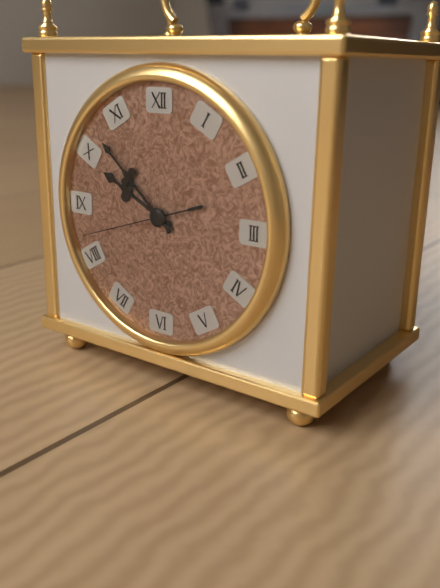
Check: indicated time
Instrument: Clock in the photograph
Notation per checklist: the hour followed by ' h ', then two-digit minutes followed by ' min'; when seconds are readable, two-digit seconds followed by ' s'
9 h 52 min 42 s
